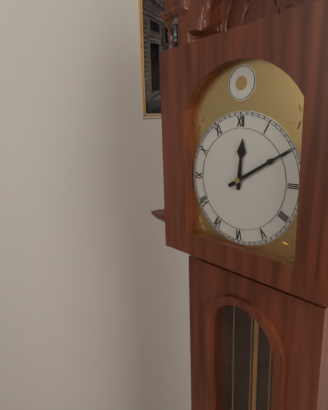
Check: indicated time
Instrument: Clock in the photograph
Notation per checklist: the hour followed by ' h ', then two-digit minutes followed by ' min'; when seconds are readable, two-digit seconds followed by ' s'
12 h 10 min
